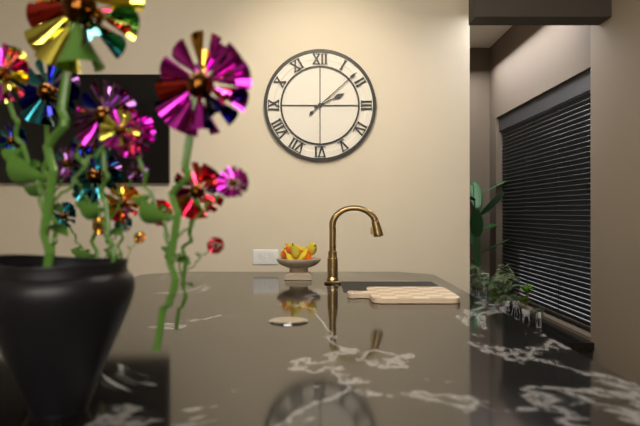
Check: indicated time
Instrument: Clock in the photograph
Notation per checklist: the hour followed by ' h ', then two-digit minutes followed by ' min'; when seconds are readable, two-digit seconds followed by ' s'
2 h 08 min
